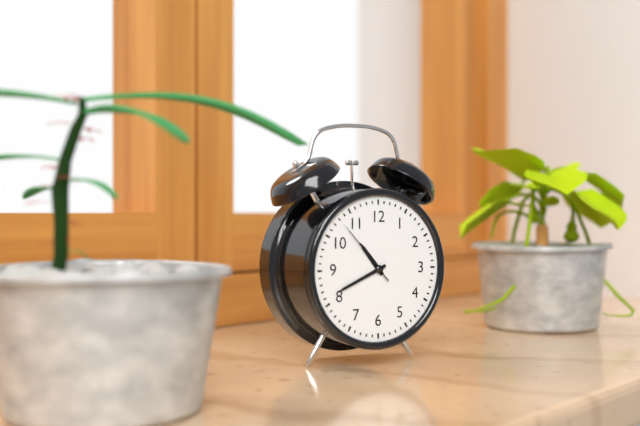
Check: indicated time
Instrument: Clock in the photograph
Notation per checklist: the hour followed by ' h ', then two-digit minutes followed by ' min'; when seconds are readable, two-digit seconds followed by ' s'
10 h 41 min 53 s
